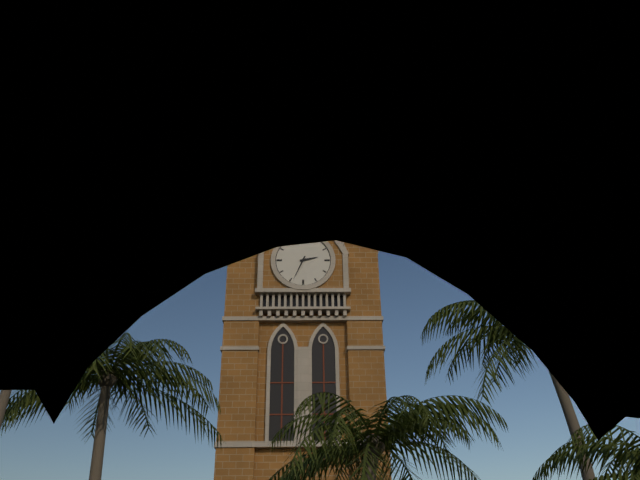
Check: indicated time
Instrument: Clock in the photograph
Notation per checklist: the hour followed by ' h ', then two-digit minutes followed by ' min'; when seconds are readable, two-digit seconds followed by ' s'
2 h 34 min
